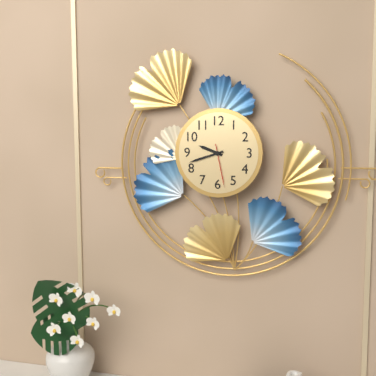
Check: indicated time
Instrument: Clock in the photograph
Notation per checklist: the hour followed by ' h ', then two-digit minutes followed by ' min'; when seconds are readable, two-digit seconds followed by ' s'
9 h 42 min
